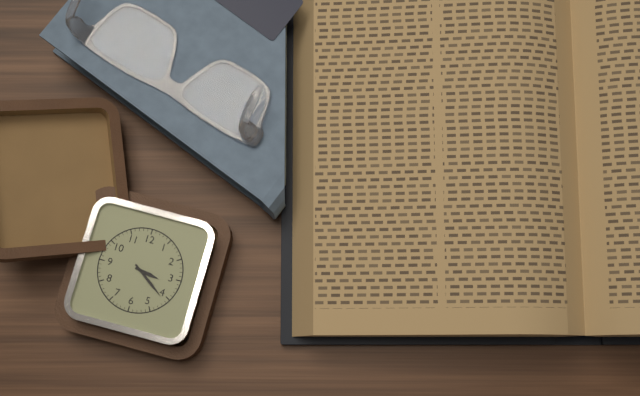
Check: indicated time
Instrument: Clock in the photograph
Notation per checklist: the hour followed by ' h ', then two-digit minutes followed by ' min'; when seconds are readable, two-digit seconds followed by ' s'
3 h 21 min
